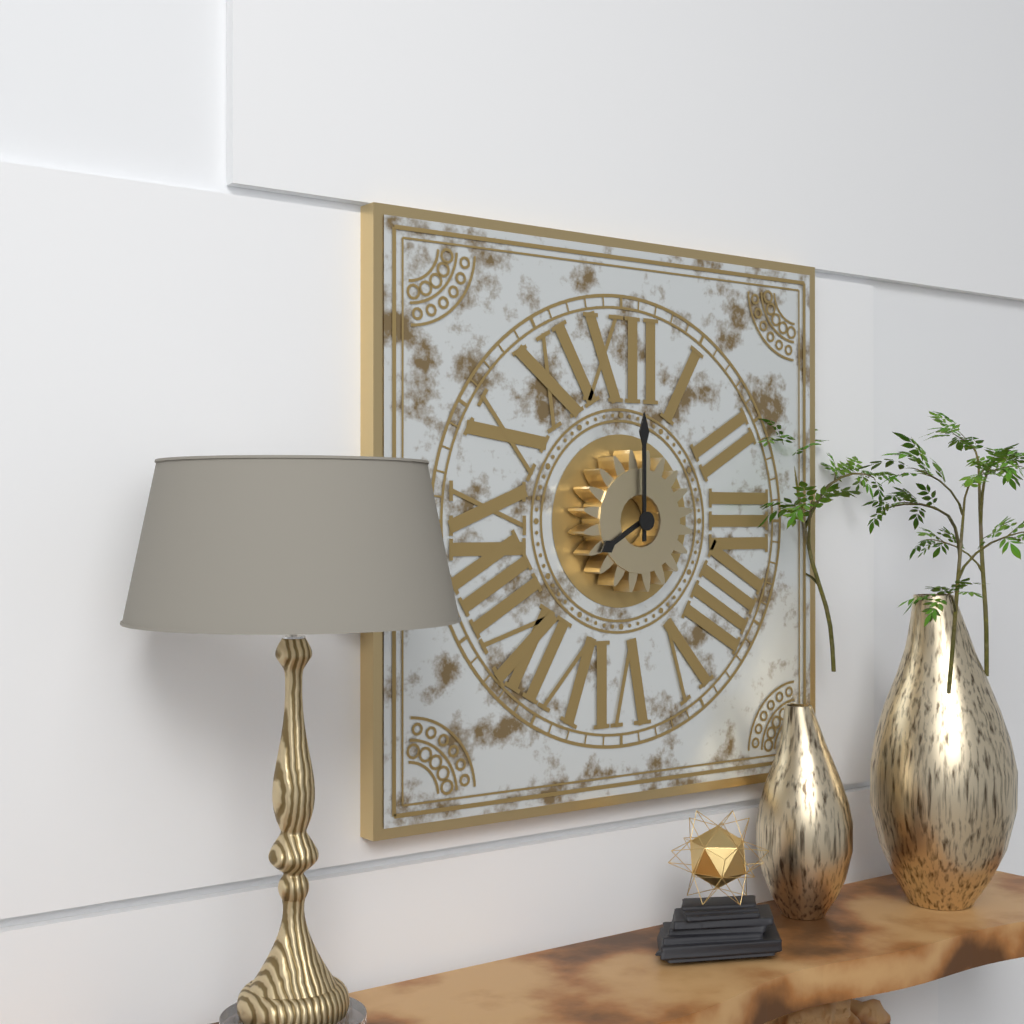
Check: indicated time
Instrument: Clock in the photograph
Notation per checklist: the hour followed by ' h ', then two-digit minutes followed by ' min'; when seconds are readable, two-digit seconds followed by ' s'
8 h 00 min
